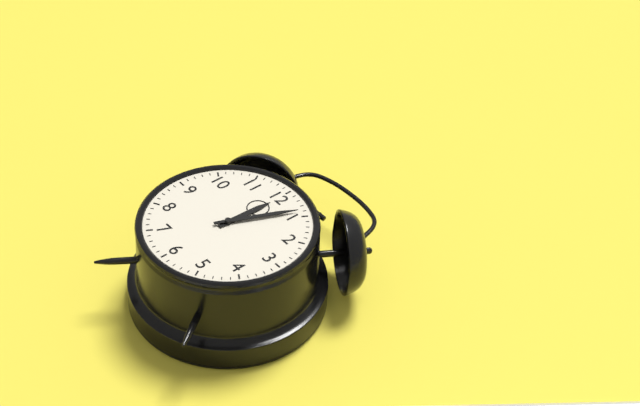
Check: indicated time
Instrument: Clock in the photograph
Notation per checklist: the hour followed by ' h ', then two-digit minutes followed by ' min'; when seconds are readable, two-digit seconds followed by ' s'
12 h 04 min
